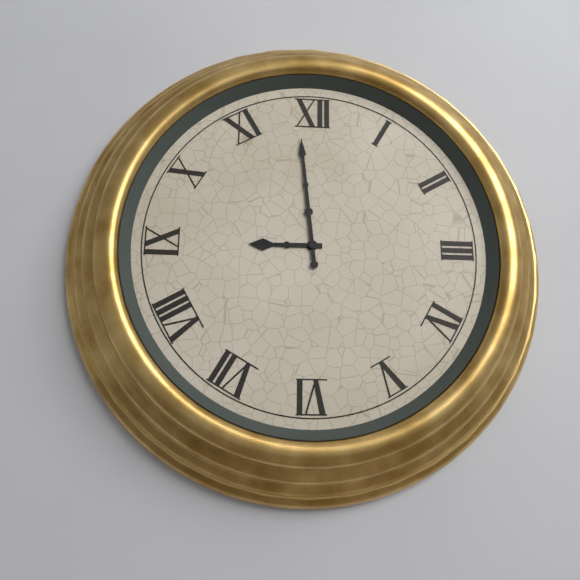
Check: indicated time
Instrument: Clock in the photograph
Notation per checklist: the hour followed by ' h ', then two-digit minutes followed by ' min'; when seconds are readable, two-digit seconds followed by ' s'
8 h 59 min
